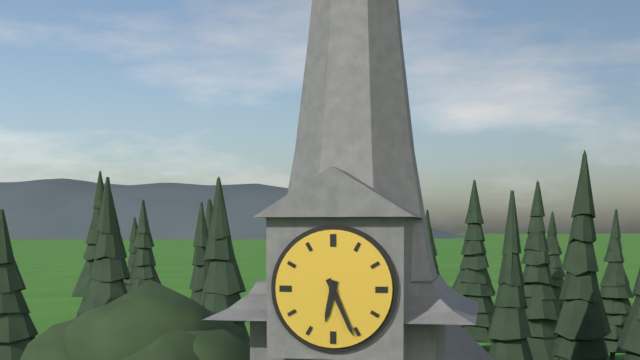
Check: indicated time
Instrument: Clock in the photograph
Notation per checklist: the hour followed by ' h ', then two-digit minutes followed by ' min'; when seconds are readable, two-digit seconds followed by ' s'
6 h 26 min
